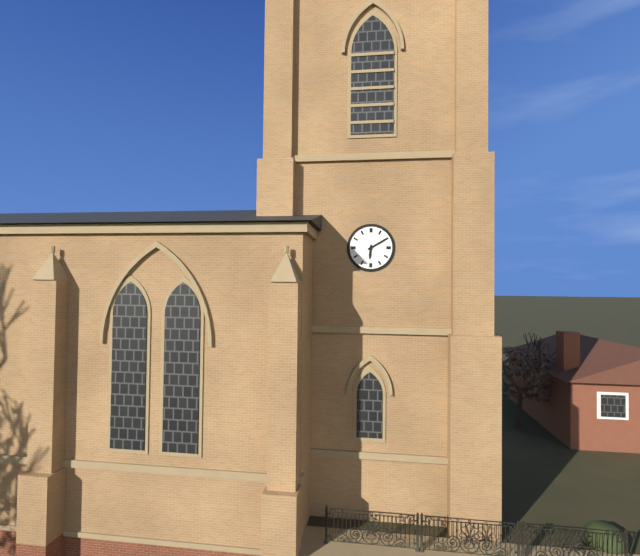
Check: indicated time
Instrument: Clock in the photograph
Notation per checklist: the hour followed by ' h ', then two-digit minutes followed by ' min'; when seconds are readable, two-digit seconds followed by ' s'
6 h 10 min
